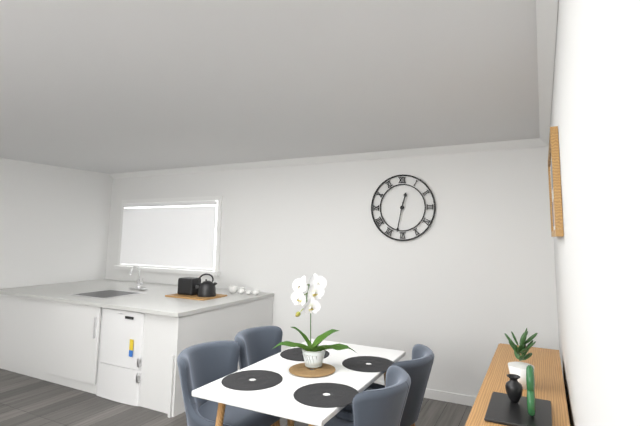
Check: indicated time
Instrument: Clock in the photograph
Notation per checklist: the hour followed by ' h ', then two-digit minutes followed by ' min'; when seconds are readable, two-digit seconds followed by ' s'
12 h 32 min
